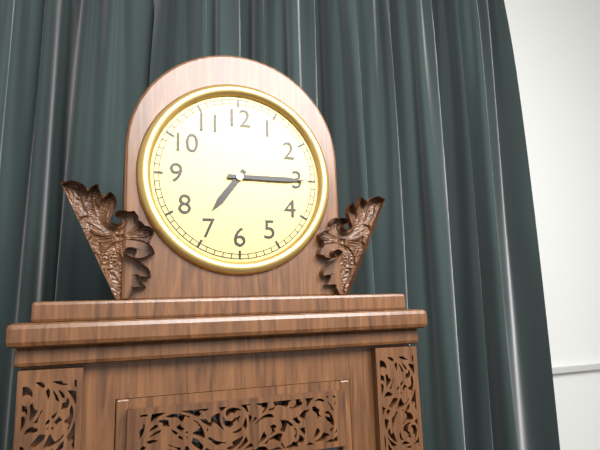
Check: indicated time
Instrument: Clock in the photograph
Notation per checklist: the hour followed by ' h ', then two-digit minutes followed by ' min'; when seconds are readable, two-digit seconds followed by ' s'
7 h 15 min
